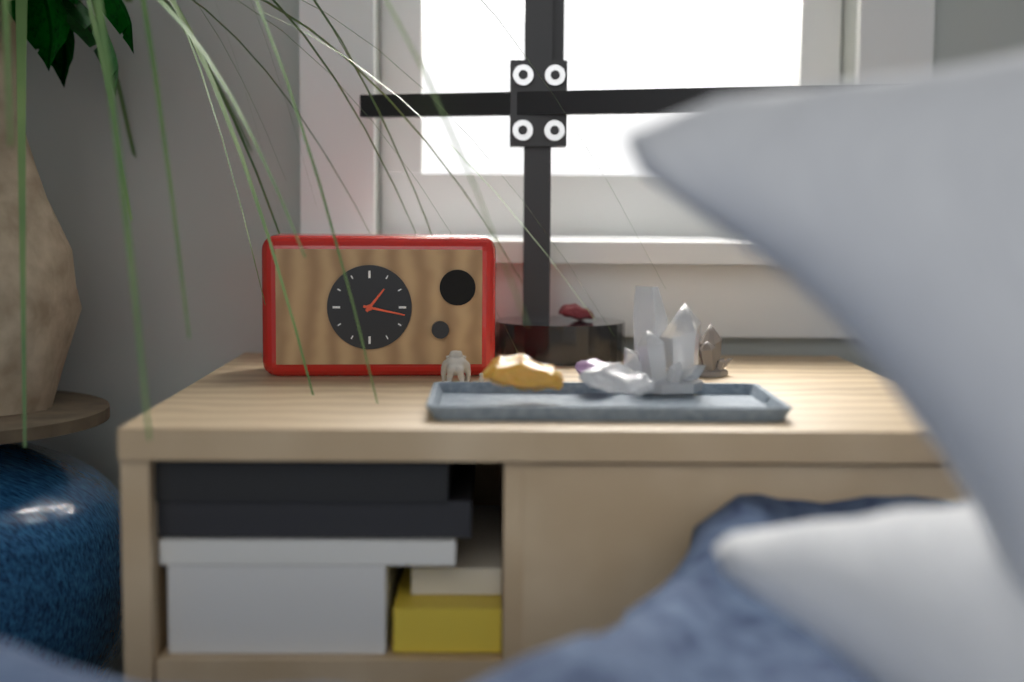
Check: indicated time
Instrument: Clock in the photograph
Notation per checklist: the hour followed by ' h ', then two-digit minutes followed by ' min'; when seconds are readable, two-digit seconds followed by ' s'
1 h 17 min
